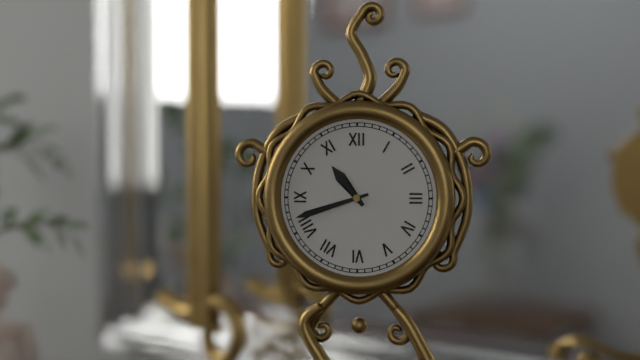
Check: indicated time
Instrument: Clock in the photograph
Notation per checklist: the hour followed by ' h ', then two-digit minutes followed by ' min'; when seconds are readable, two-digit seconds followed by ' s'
10 h 42 min
